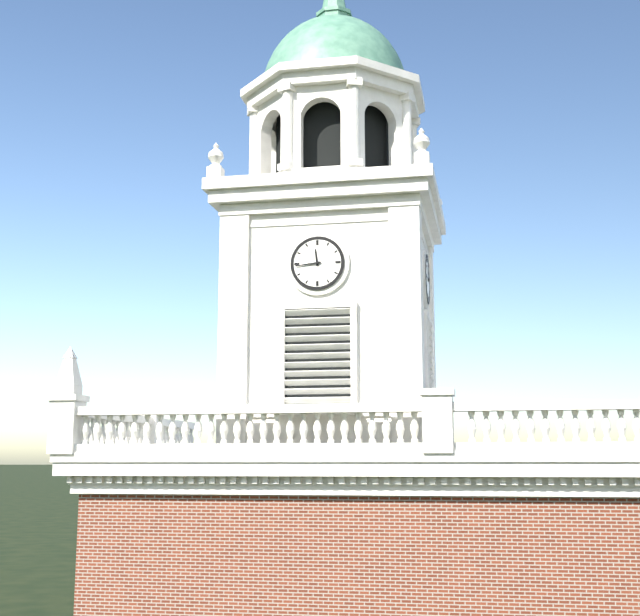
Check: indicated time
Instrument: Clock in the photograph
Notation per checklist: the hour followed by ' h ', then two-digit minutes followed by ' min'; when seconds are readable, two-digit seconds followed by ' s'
11 h 44 min
